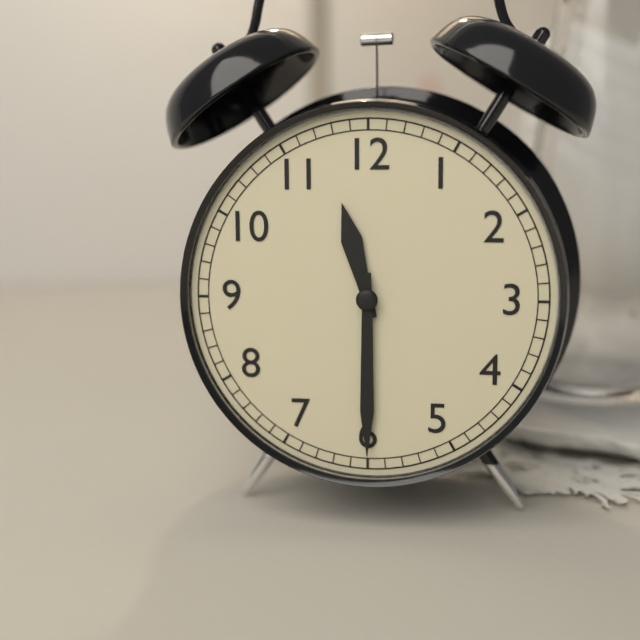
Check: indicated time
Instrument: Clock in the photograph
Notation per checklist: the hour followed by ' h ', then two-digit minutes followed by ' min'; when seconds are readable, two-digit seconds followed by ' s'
11 h 30 min
